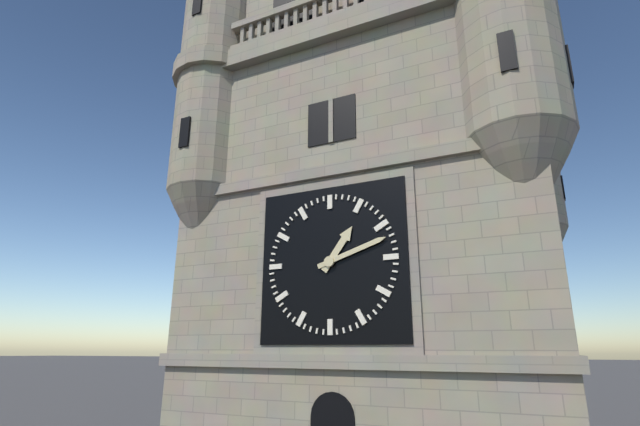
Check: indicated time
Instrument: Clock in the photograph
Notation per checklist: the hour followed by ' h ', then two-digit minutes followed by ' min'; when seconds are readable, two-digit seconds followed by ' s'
1 h 12 min
